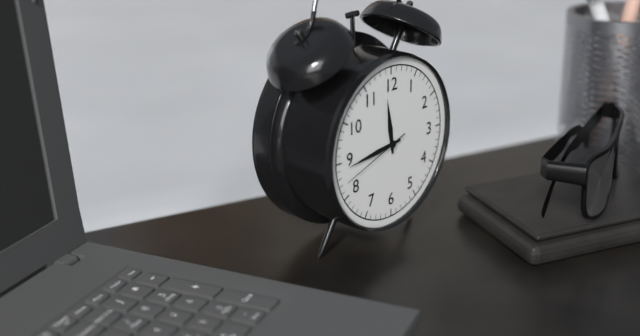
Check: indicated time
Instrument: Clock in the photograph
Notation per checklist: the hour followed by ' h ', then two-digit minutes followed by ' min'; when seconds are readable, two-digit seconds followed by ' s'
11 h 44 min 42 s
